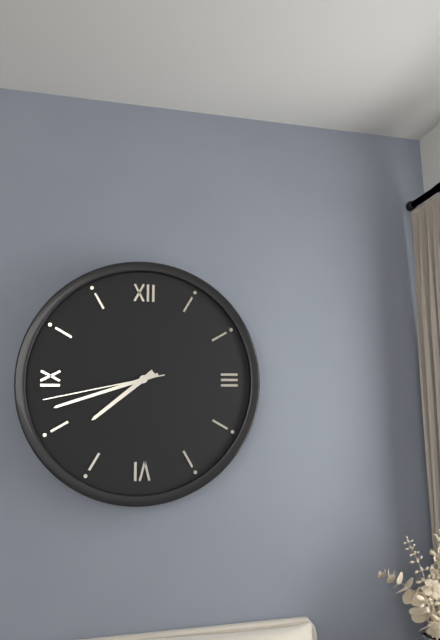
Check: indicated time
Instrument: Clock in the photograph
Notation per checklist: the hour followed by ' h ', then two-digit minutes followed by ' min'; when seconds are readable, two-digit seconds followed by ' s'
7 h 42 min 43 s
